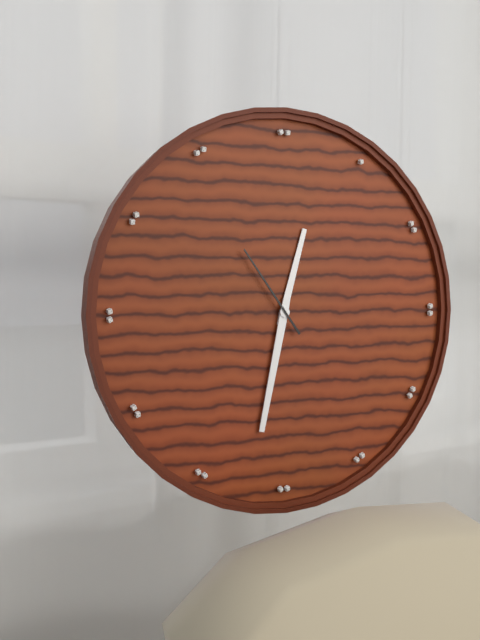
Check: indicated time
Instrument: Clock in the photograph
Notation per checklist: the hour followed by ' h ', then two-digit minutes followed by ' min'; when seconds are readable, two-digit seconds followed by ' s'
12 h 32 min 54 s
